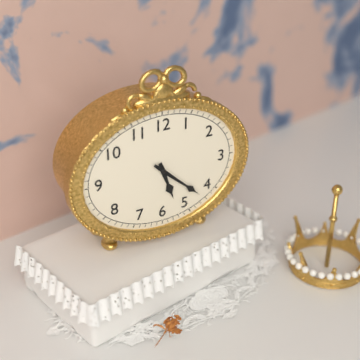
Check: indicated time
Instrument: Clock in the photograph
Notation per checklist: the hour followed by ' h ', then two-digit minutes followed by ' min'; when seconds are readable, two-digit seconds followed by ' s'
5 h 22 min
